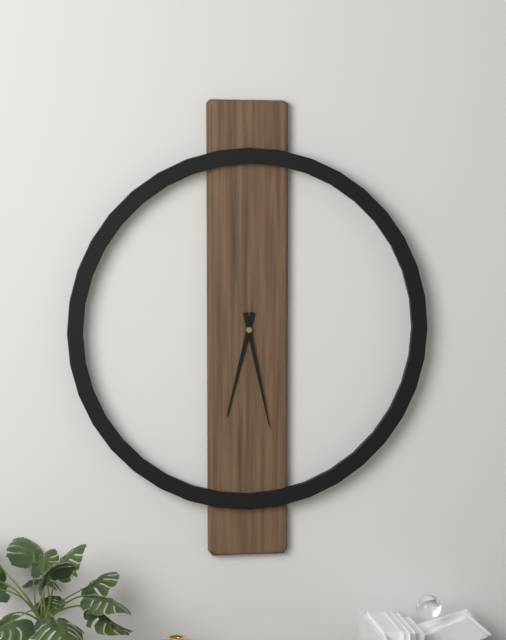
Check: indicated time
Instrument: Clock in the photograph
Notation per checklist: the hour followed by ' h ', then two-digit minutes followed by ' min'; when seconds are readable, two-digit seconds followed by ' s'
6 h 28 min
